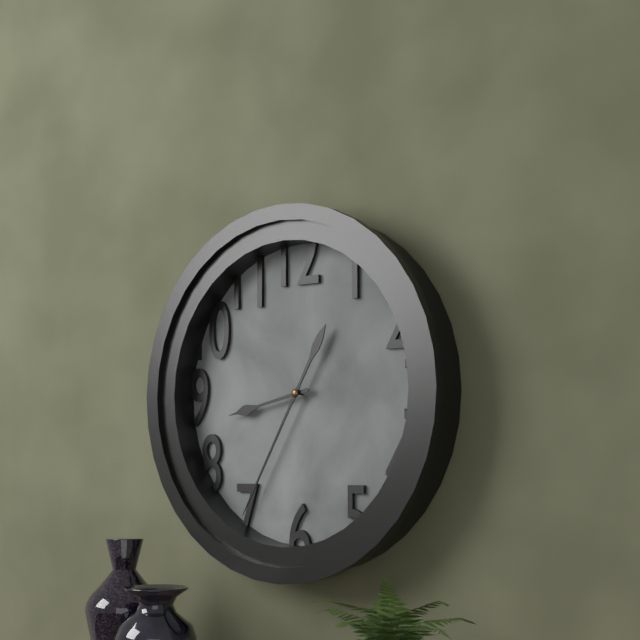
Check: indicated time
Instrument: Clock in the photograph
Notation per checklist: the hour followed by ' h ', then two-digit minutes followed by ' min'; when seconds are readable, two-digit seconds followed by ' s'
8 h 35 min
